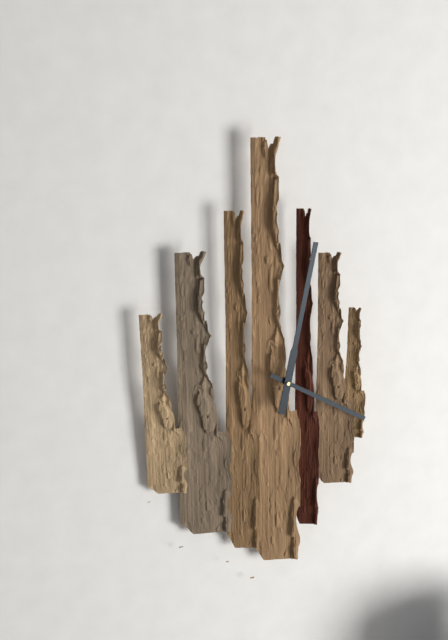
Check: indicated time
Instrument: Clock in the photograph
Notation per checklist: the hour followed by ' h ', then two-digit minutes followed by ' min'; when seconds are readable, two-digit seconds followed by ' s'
4 h 02 min
